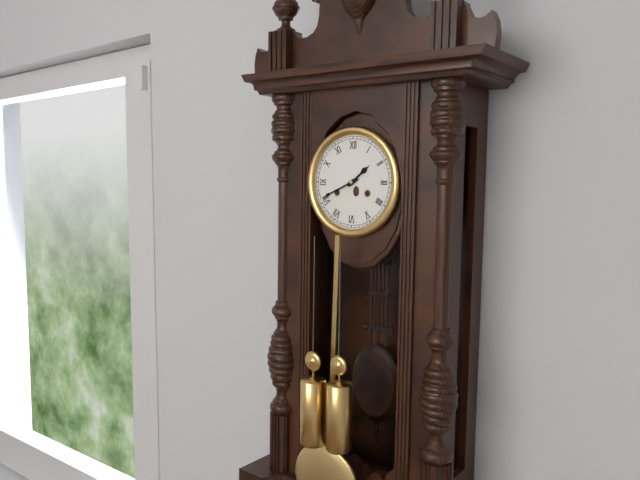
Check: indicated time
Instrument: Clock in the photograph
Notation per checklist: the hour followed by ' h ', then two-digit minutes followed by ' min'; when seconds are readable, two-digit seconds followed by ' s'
1 h 41 min
